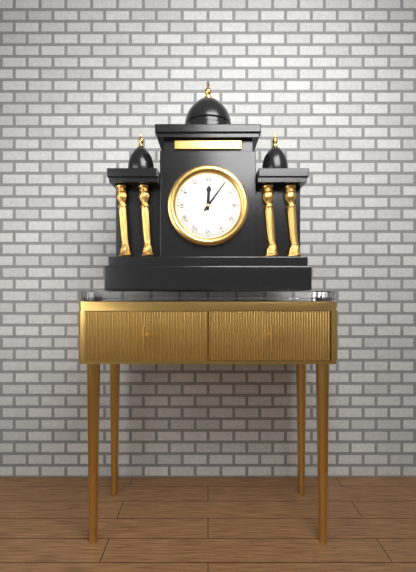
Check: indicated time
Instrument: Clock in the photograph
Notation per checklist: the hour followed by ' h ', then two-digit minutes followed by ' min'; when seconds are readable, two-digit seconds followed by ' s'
12 h 06 min
